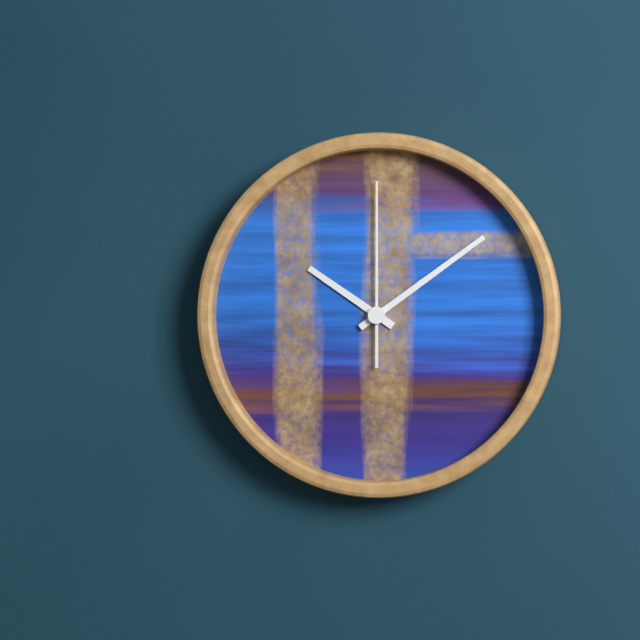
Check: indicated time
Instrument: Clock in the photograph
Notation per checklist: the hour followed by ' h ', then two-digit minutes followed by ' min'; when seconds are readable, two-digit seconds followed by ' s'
10 h 09 min 00 s
